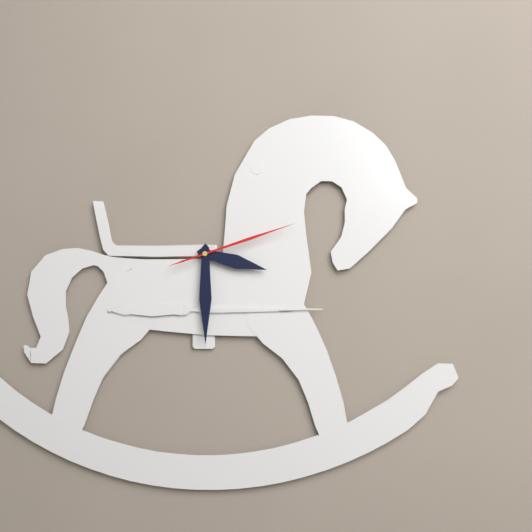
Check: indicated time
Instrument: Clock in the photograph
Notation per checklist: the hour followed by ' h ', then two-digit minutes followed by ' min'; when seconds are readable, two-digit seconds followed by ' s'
3 h 30 min 12 s
